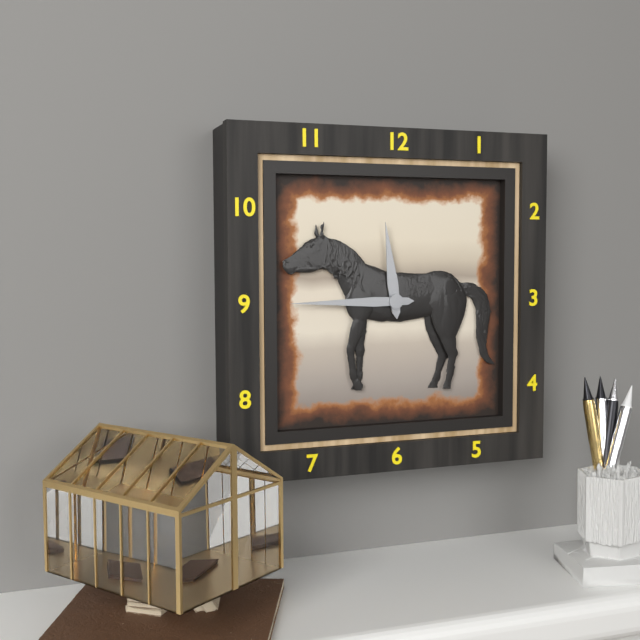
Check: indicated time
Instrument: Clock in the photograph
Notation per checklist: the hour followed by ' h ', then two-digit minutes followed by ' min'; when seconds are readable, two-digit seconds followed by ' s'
11 h 45 min
